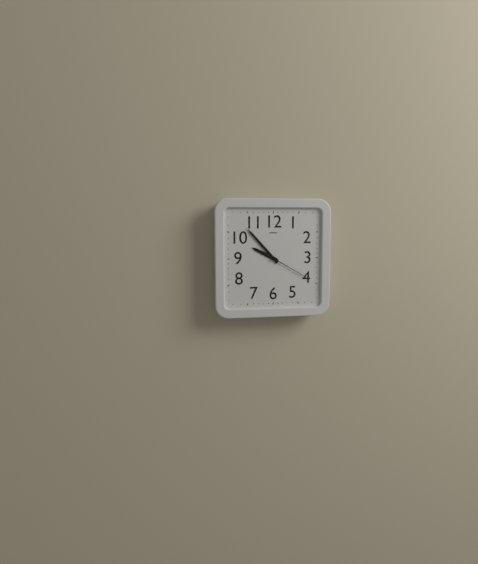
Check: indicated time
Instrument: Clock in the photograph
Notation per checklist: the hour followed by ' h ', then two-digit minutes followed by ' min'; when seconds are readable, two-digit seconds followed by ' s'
9 h 53 min 20 s
